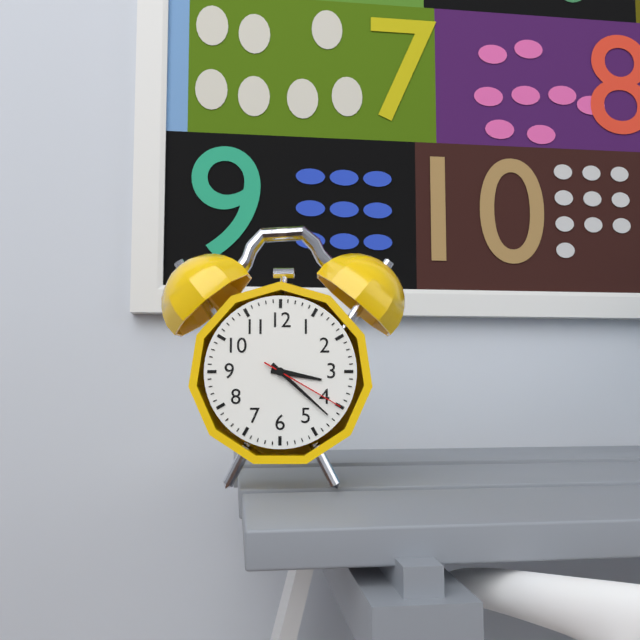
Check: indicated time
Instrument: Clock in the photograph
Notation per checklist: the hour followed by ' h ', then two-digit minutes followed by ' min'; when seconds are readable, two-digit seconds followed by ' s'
3 h 22 min 20 s
